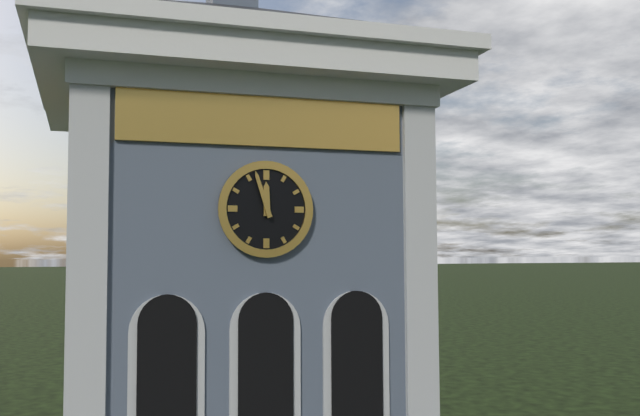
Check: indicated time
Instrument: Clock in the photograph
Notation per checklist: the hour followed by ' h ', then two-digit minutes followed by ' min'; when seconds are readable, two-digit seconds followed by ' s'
11 h 57 min
